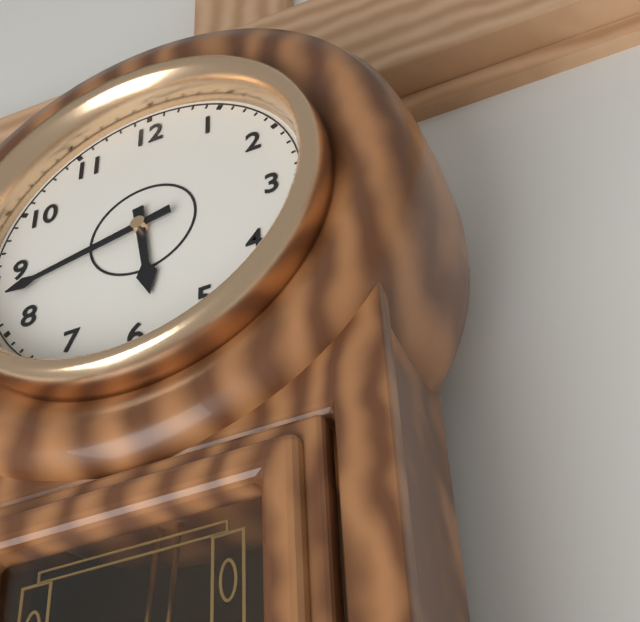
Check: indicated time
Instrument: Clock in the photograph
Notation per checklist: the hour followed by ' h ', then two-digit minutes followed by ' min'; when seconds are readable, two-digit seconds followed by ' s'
5 h 43 min
